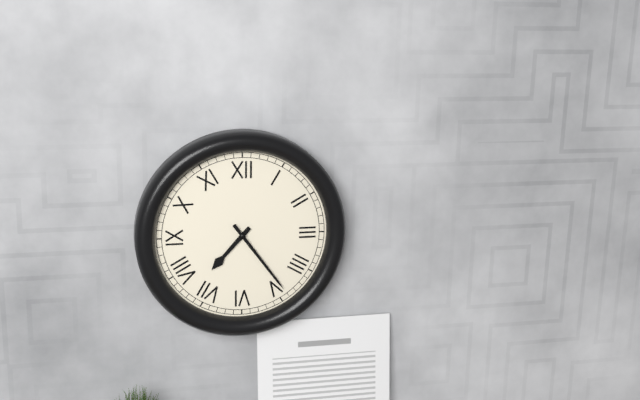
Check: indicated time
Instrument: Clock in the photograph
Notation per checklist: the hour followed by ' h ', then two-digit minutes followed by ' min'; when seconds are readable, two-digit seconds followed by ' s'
7 h 24 min
